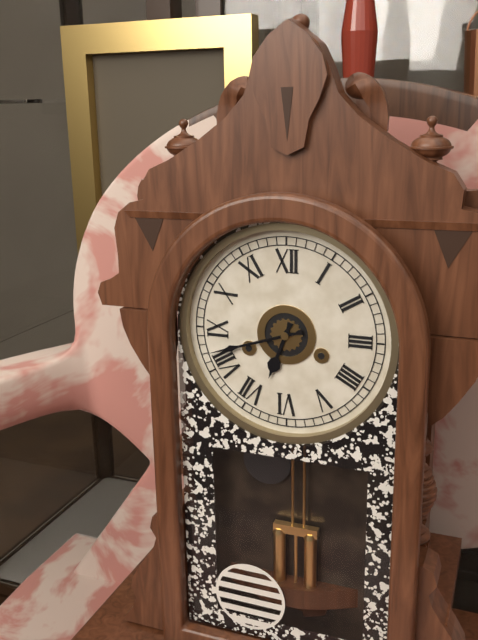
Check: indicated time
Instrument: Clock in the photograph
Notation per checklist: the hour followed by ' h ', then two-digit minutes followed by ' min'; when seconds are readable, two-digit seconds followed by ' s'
6 h 42 min
